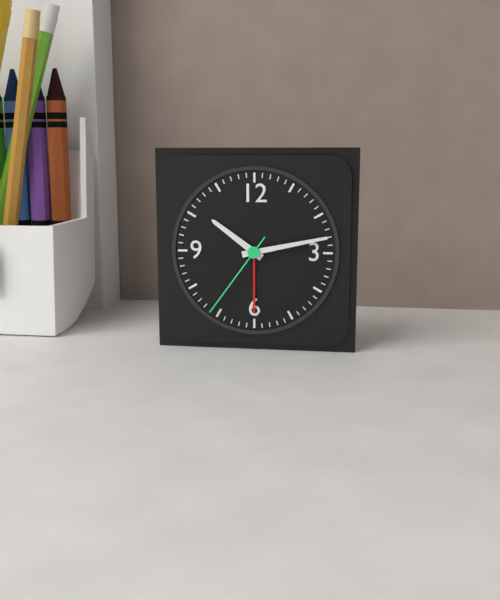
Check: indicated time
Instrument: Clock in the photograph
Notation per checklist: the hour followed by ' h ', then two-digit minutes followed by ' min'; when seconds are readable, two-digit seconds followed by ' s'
10 h 13 min 36 s
